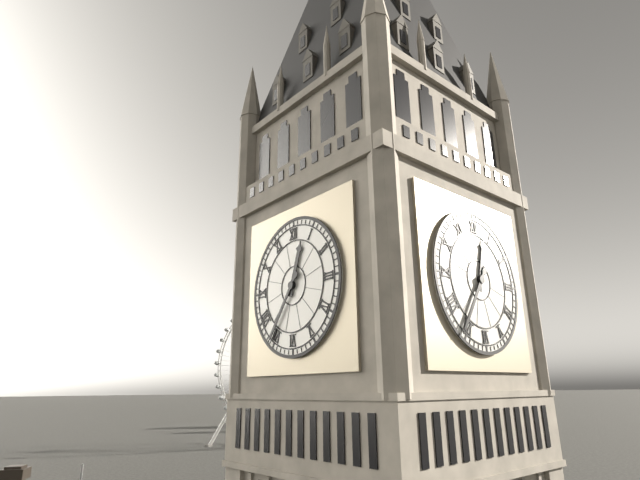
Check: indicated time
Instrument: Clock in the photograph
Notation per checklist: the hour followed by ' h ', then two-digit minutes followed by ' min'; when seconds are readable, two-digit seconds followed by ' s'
12 h 36 min
